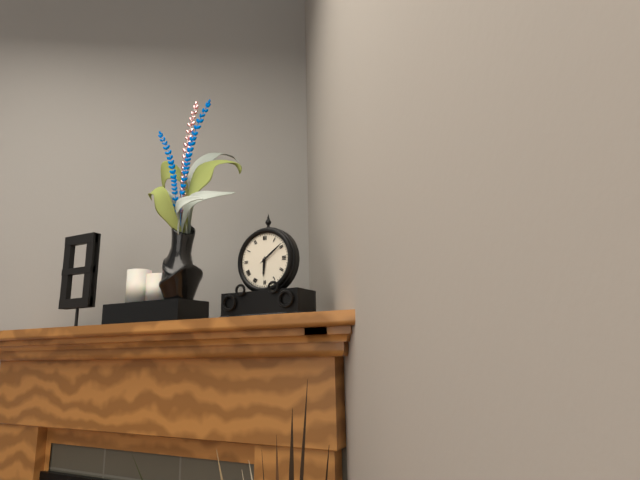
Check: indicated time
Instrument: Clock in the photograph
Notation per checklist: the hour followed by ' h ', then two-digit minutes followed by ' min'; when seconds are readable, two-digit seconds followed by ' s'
6 h 09 min
